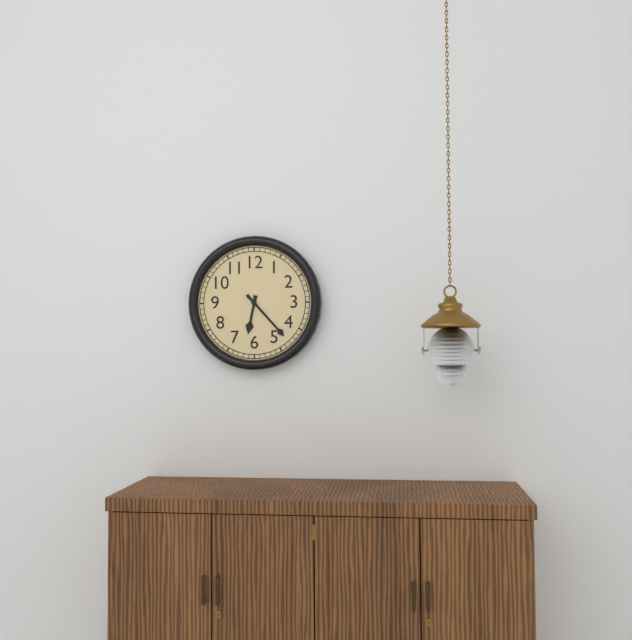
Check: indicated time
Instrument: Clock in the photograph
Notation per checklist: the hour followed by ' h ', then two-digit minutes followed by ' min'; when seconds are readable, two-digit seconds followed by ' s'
6 h 23 min
